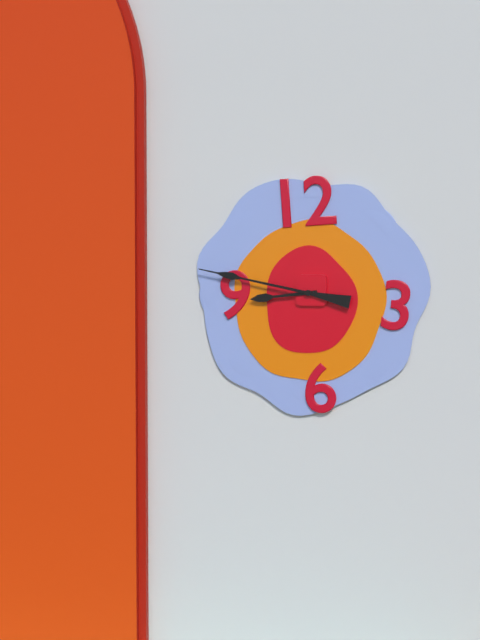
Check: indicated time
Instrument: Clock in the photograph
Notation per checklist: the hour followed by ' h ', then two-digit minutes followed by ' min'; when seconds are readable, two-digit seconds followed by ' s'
8 h 47 min
